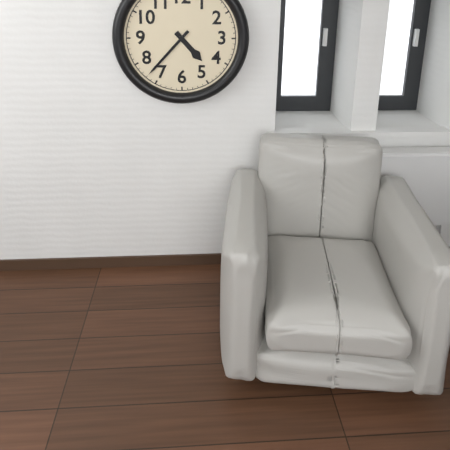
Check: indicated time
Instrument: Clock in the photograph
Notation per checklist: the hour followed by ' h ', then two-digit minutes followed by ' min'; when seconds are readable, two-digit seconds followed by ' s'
4 h 37 min
